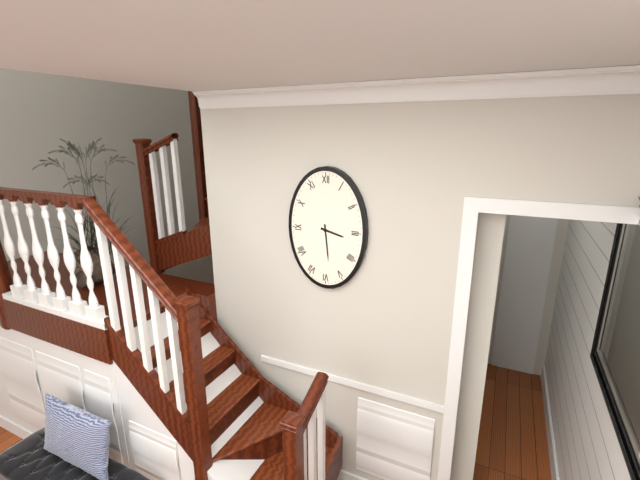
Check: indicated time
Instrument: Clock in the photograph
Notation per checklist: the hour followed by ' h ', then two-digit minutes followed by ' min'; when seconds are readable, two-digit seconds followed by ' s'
3 h 29 min
